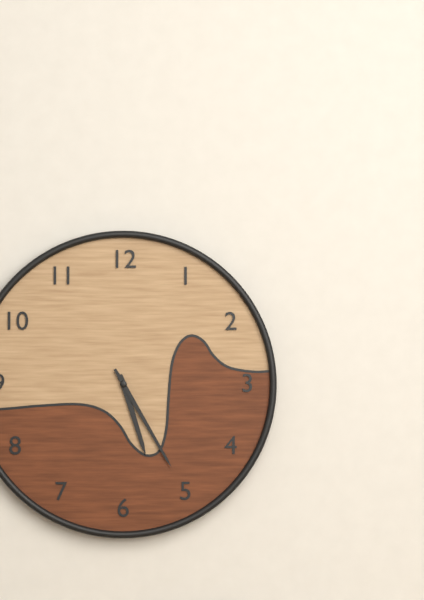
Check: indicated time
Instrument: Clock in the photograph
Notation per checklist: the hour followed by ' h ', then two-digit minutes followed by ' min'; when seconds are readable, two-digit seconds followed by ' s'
5 h 25 min
